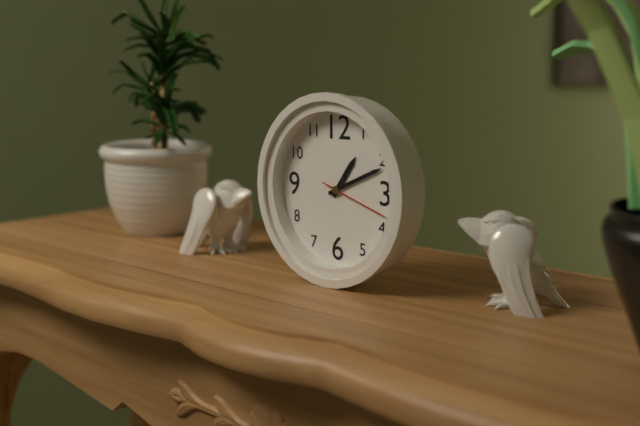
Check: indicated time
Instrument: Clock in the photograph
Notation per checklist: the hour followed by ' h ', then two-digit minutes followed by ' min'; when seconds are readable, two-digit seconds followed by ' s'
1 h 11 min 18 s
